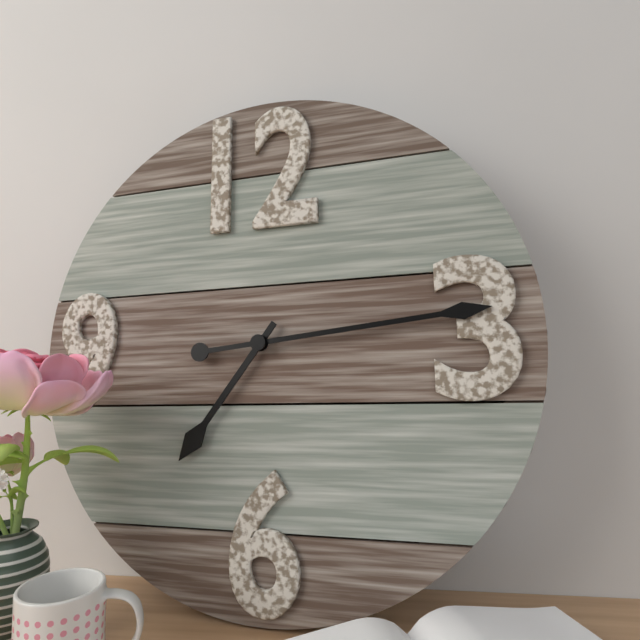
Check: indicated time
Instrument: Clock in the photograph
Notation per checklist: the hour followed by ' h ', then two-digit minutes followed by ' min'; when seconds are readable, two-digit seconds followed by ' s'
7 h 14 min
